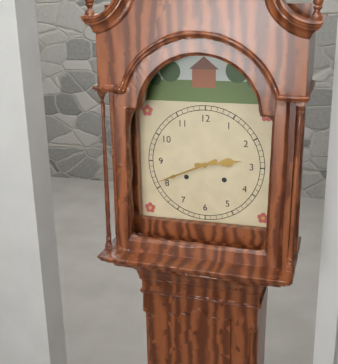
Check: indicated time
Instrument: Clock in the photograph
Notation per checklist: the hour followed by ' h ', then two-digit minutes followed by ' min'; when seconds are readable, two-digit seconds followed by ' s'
2 h 41 min
